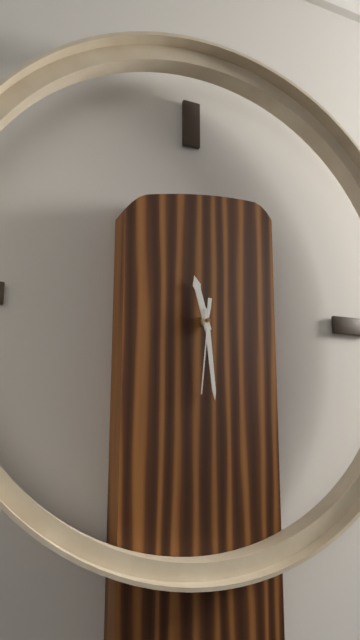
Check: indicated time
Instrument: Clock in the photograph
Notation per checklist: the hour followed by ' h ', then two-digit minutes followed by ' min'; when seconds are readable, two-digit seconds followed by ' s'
11 h 29 min 31 s
